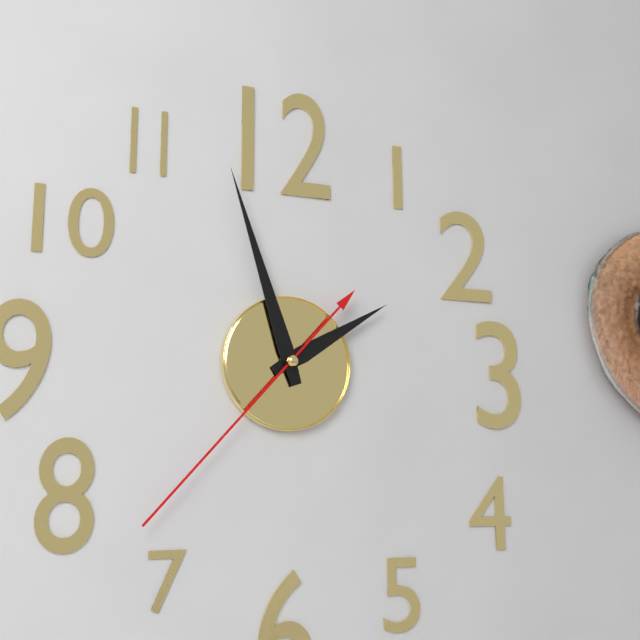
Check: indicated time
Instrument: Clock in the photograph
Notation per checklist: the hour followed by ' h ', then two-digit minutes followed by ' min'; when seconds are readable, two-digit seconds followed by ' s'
1 h 57 min 37 s
